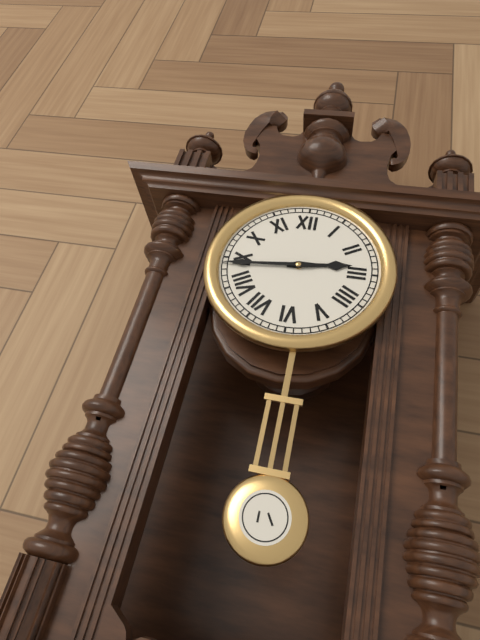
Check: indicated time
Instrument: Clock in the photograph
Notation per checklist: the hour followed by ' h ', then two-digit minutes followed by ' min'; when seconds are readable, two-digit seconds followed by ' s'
2 h 44 min
